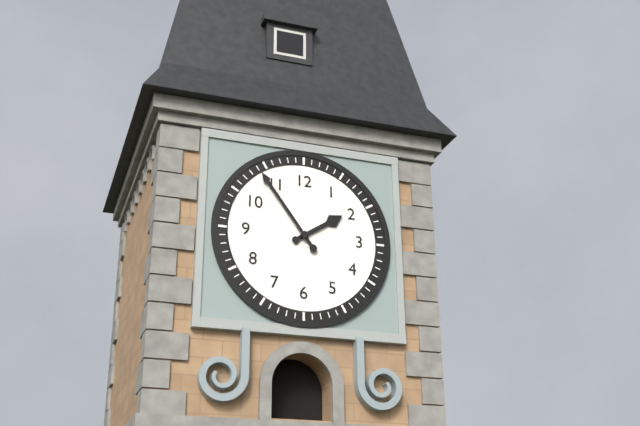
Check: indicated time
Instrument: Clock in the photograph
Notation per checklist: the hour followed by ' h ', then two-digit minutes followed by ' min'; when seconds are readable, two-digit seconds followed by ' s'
1 h 54 min
